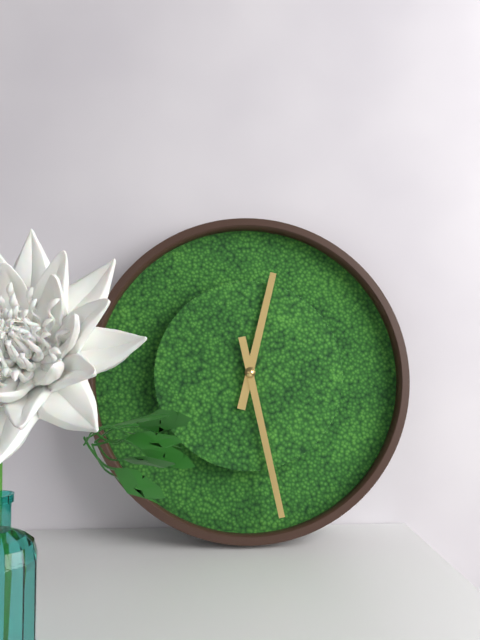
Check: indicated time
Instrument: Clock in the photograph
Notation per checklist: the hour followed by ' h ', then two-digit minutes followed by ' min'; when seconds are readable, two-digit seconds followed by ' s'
12 h 28 min
